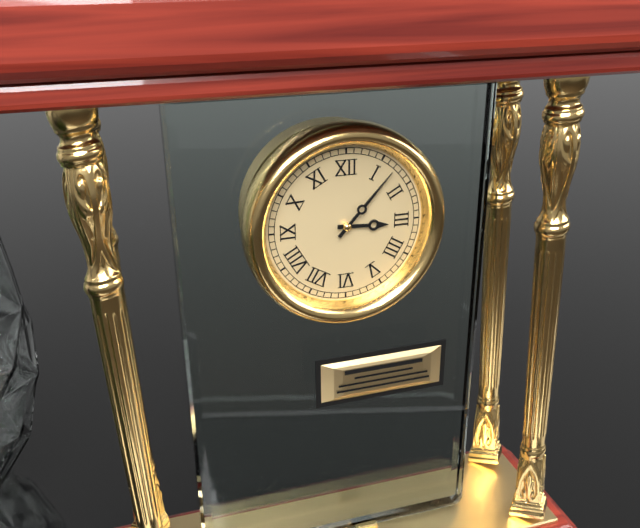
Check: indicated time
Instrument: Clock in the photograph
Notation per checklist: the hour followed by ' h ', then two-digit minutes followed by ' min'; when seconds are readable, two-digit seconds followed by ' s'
3 h 07 min
